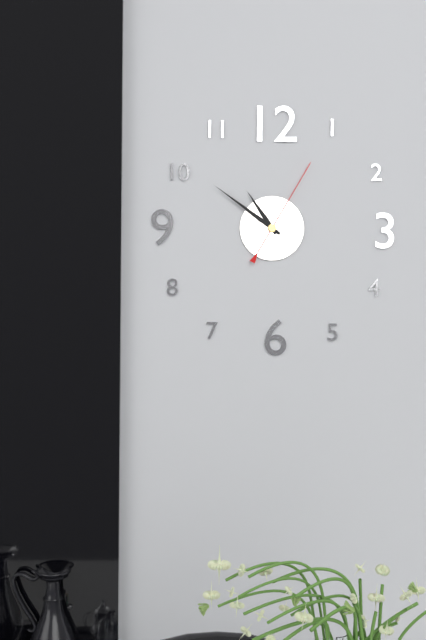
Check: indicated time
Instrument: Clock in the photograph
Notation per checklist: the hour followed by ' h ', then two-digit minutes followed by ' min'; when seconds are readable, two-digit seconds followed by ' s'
10 h 51 min 05 s
